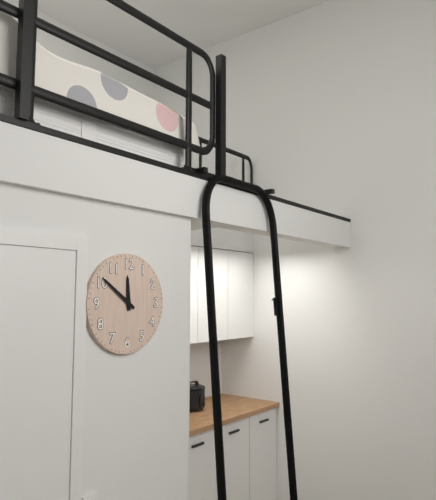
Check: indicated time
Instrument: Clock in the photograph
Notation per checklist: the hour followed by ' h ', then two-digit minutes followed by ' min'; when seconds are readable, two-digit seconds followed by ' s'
11 h 51 min
